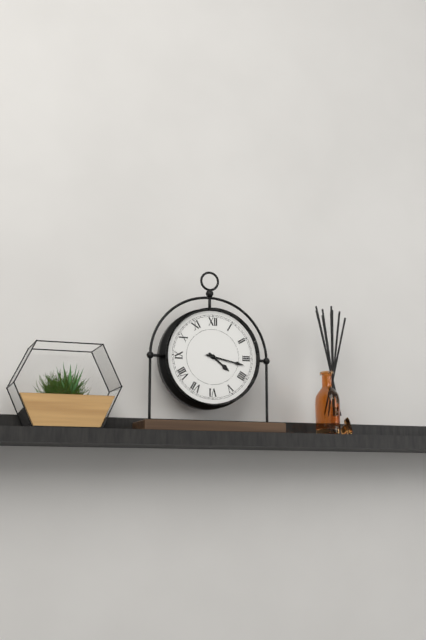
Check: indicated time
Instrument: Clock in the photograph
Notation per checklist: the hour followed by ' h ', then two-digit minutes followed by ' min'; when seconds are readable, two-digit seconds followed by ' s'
4 h 17 min
